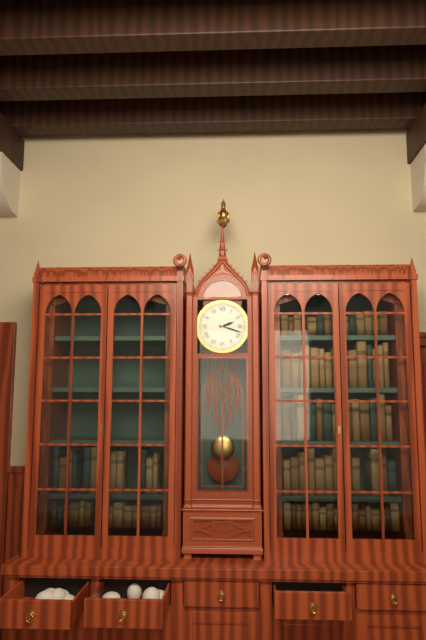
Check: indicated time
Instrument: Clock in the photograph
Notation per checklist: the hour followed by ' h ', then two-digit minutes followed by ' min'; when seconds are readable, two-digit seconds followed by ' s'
2 h 18 min
